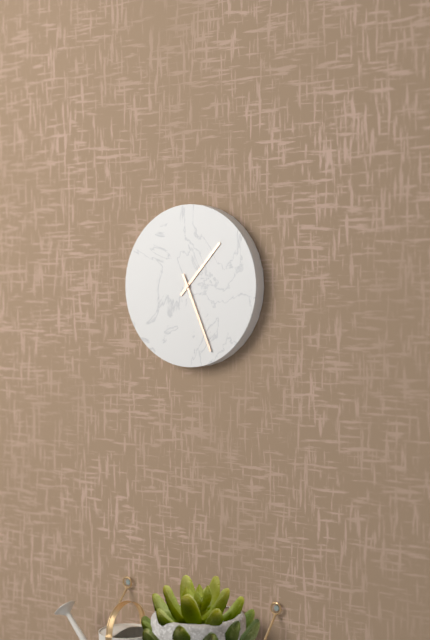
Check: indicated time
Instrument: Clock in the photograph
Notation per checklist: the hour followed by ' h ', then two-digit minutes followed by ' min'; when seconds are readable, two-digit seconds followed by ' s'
1 h 26 min
